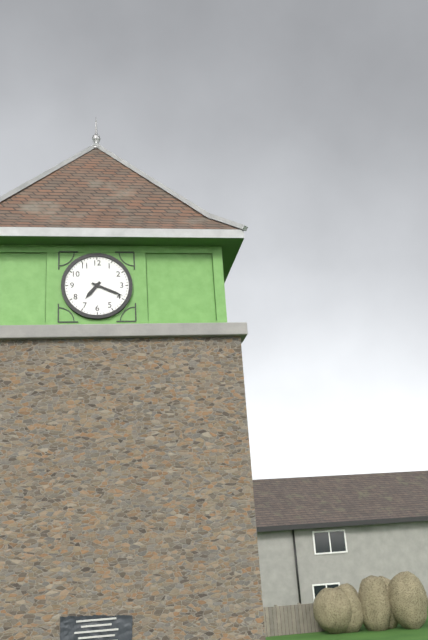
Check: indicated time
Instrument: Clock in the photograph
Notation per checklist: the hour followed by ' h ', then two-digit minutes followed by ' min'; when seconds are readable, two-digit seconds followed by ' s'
7 h 19 min
